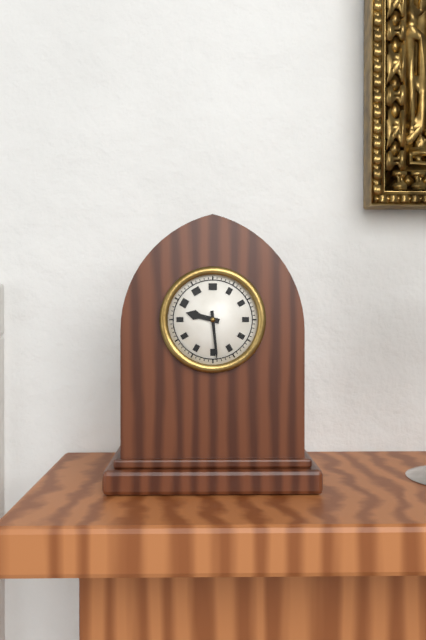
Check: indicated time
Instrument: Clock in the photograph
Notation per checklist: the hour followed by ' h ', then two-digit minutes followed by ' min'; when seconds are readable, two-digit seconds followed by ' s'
9 h 29 min
